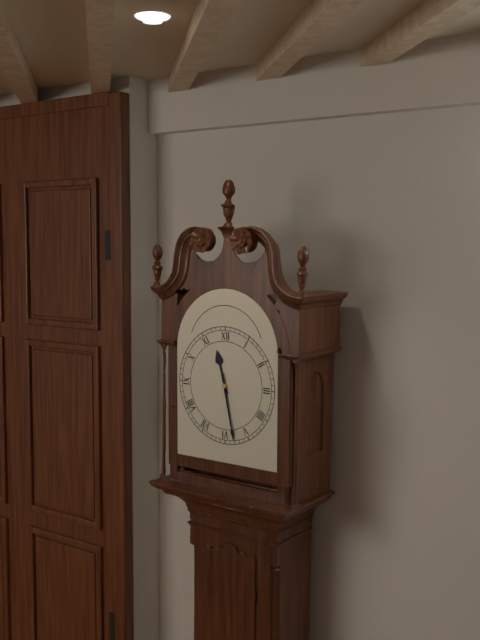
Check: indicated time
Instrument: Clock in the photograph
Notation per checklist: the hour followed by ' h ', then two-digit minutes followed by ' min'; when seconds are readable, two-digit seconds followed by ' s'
11 h 28 min
